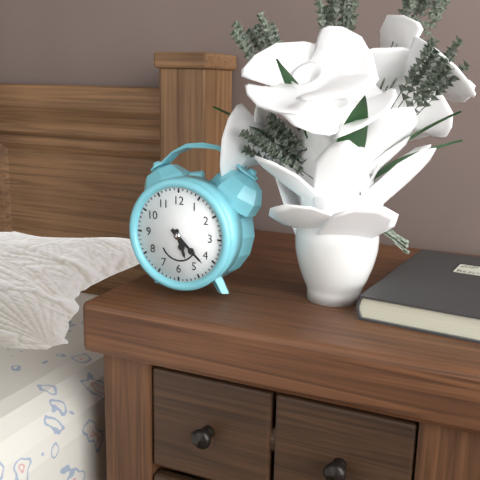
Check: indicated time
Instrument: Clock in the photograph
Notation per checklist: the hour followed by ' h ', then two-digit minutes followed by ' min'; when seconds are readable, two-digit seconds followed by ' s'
5 h 22 min
